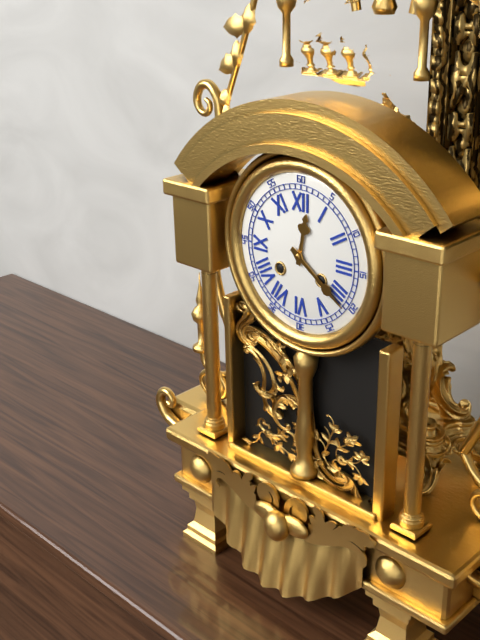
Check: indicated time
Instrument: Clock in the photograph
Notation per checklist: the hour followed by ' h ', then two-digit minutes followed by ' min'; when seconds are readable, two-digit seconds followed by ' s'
12 h 21 min
